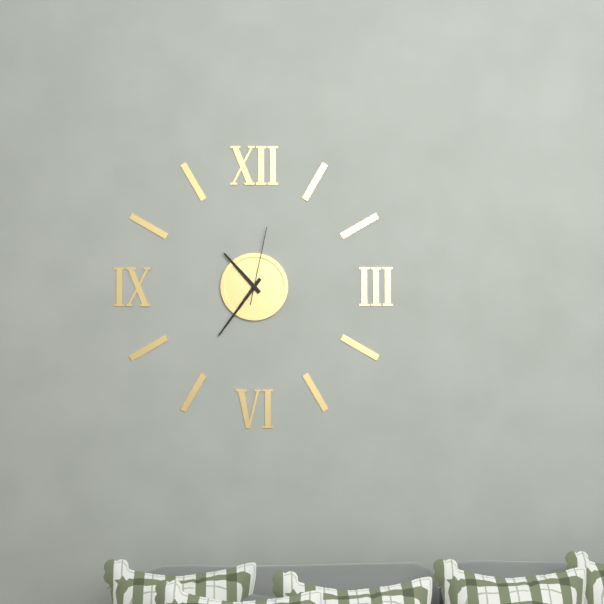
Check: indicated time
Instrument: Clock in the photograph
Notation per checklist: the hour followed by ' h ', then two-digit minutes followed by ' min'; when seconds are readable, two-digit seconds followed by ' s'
10 h 36 min 02 s
